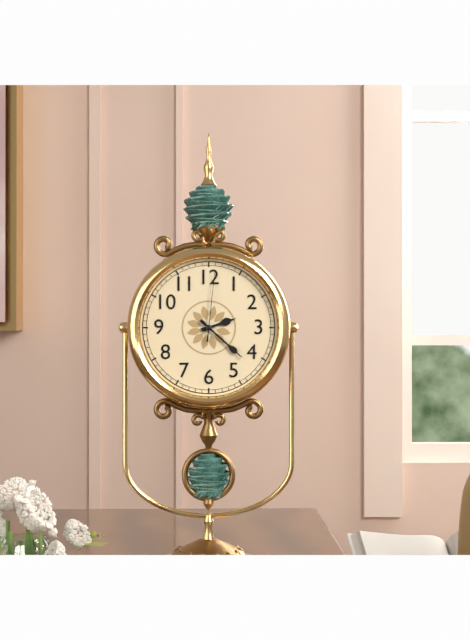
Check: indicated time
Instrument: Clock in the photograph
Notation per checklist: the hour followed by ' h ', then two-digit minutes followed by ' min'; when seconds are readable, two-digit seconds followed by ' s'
2 h 22 min 01 s
